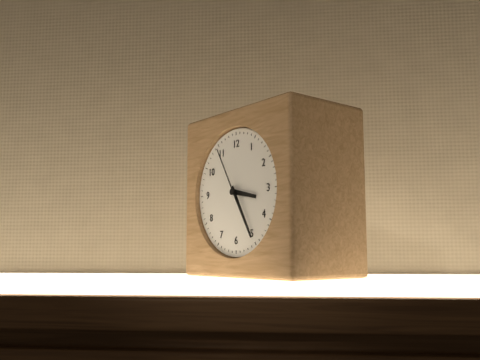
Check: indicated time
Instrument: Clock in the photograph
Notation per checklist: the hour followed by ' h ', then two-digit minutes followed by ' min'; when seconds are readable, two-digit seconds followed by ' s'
3 h 25 min 55 s
